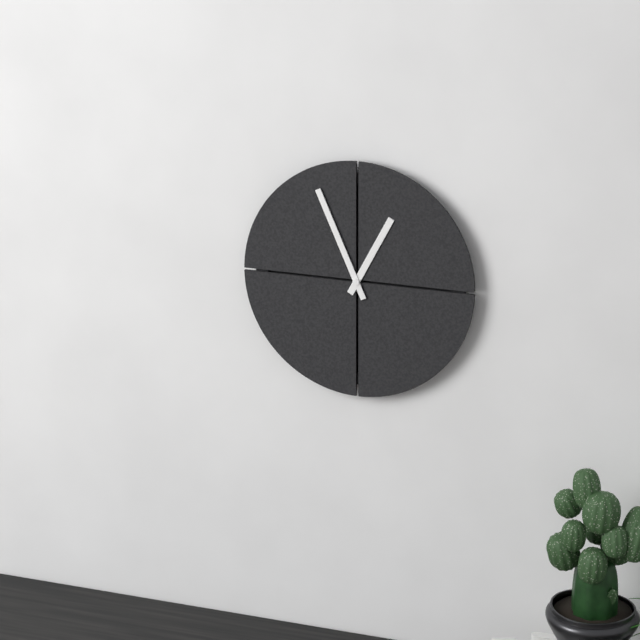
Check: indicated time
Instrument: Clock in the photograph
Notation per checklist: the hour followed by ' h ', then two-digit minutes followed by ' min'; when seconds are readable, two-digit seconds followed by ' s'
12 h 56 min
